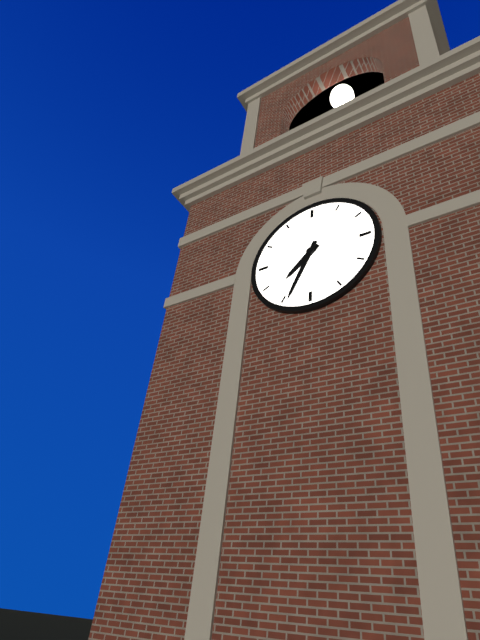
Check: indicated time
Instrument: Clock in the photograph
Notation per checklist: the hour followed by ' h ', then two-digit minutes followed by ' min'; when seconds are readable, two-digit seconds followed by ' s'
7 h 34 min
